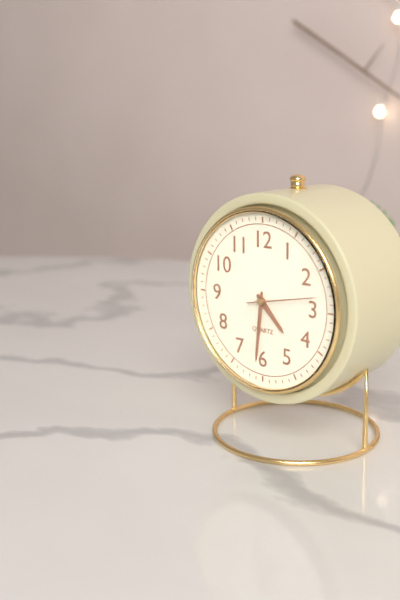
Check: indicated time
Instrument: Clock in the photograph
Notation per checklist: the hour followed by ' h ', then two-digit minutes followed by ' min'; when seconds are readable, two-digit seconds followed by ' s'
4 h 31 min 13 s
